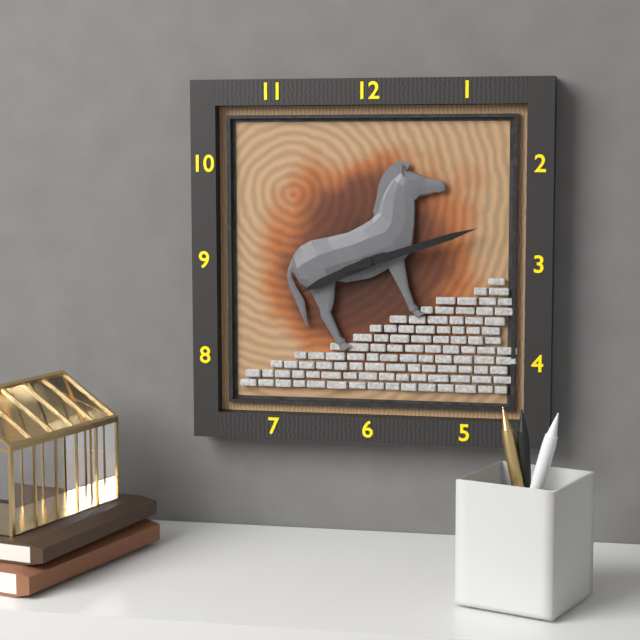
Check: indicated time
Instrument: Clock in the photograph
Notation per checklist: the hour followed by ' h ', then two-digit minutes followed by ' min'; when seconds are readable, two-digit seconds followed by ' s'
8 h 12 min
